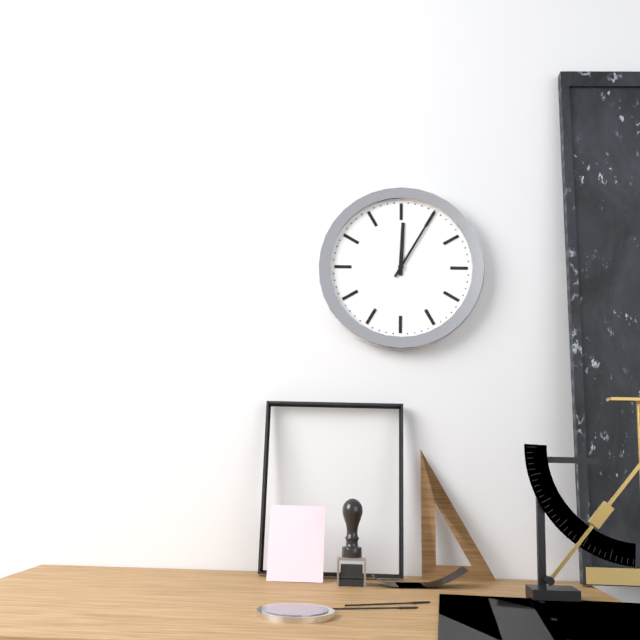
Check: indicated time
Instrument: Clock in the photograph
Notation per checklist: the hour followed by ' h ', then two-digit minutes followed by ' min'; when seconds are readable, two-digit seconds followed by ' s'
12 h 05 min
